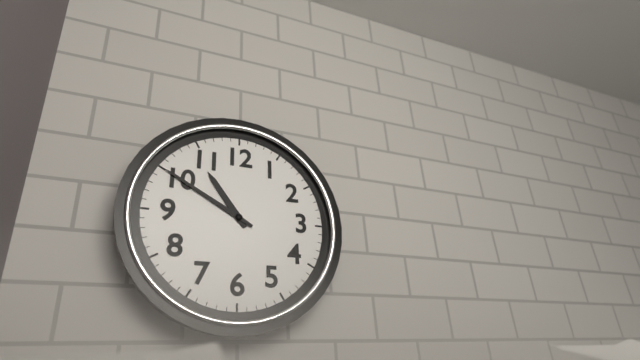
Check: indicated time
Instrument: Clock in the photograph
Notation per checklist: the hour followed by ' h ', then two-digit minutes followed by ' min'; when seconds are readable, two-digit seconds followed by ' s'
10 h 50 min
